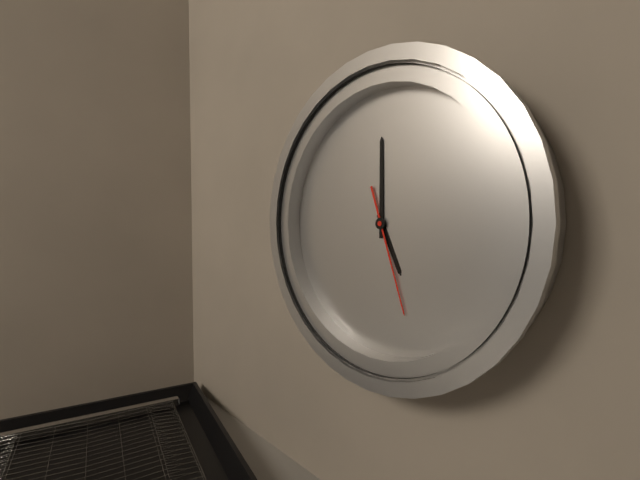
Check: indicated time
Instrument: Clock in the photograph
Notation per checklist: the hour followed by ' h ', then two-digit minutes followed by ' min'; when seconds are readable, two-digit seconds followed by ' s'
4 h 59 min 26 s
